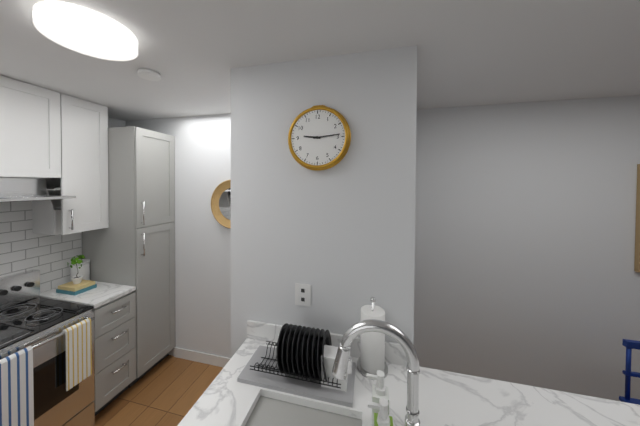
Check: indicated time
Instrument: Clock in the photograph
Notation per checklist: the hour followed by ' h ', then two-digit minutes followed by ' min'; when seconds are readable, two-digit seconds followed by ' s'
9 h 14 min
